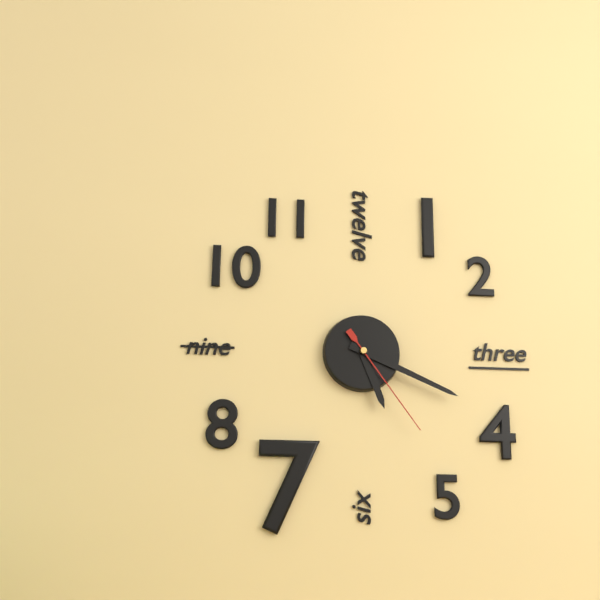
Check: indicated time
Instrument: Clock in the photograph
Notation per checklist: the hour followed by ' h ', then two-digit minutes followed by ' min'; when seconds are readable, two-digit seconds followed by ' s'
5 h 19 min 24 s
